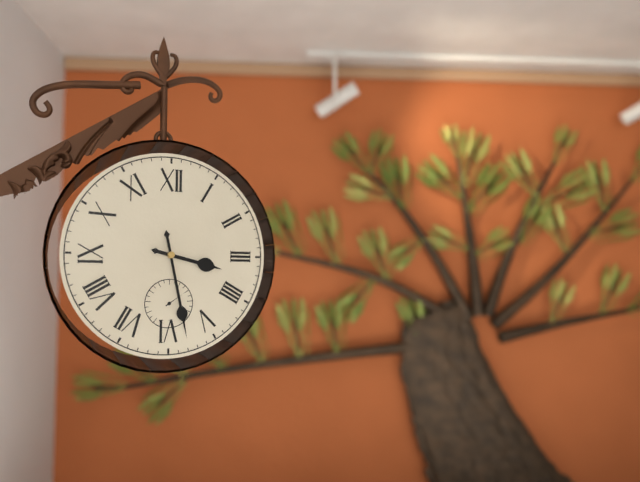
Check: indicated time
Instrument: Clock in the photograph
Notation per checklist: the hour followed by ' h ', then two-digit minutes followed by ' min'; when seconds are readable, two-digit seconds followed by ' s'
3 h 28 min
